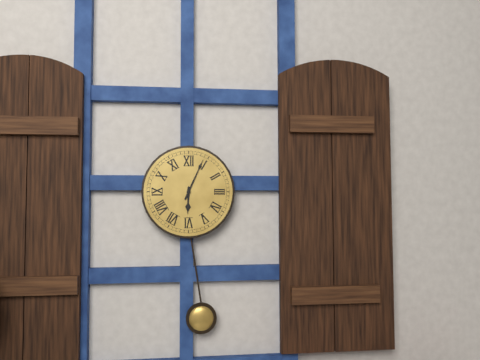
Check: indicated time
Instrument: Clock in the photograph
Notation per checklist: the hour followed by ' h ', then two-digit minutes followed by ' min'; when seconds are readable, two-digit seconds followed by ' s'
6 h 04 min
